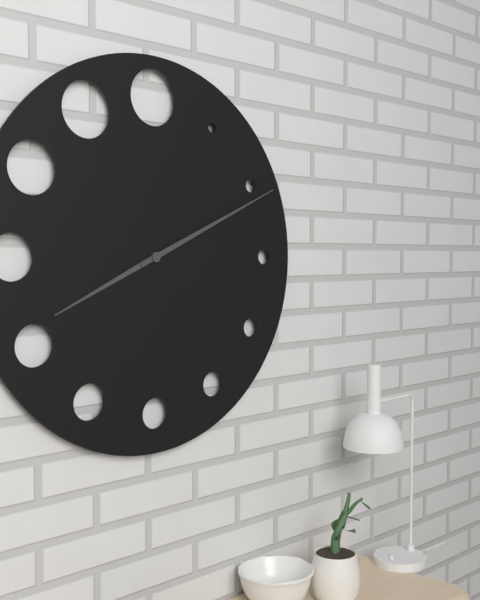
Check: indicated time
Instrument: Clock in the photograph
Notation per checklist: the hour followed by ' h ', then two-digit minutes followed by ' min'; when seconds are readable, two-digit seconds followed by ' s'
8 h 11 min
